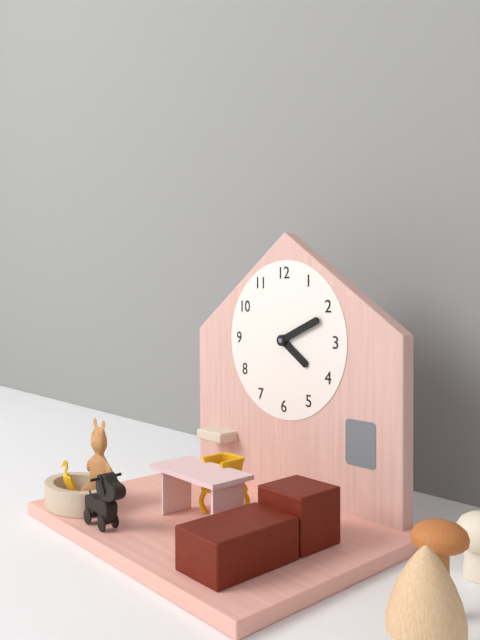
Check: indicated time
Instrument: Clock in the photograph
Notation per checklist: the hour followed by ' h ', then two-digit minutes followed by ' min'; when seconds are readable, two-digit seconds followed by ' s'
4 h 11 min
